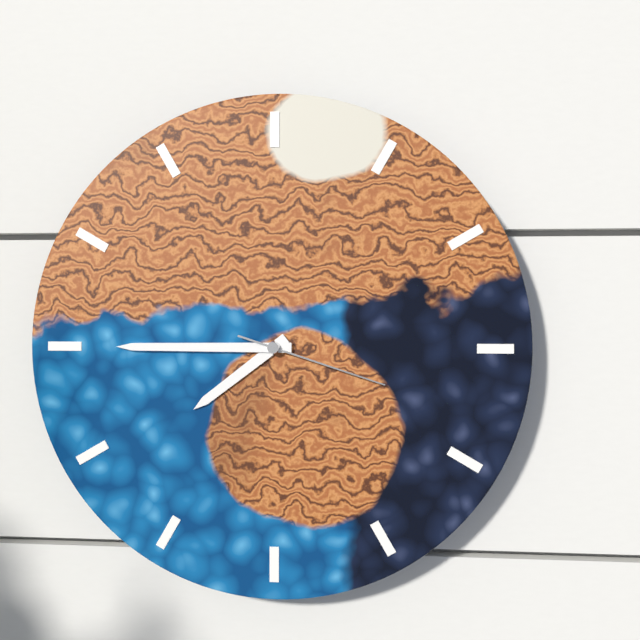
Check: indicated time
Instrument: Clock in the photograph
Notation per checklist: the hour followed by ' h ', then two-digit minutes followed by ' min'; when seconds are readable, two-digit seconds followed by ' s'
7 h 45 min 18 s
